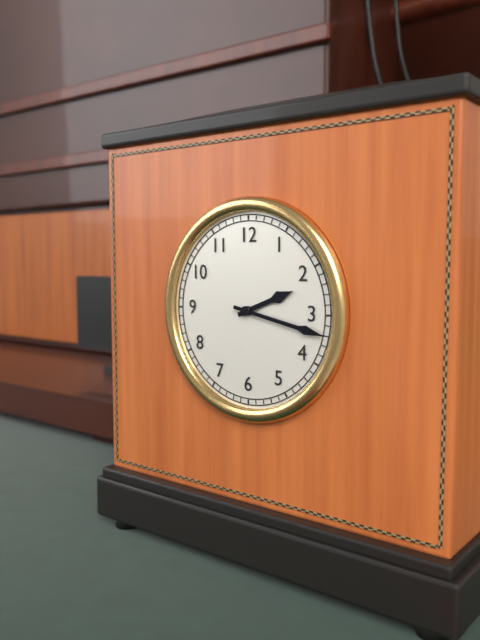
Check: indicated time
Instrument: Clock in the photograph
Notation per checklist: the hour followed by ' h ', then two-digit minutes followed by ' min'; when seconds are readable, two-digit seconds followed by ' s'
2 h 17 min
